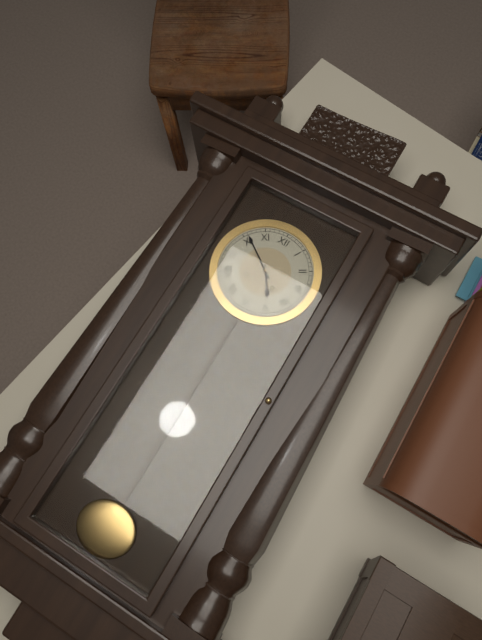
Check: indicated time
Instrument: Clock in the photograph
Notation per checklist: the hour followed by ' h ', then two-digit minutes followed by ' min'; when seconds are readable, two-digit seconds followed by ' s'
4 h 51 min
